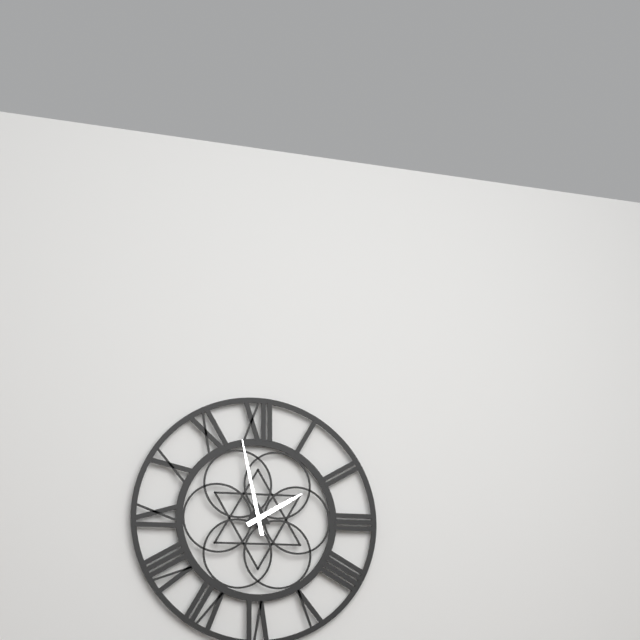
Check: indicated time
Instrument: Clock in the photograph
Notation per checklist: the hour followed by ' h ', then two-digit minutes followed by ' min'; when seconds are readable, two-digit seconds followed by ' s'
1 h 58 min
